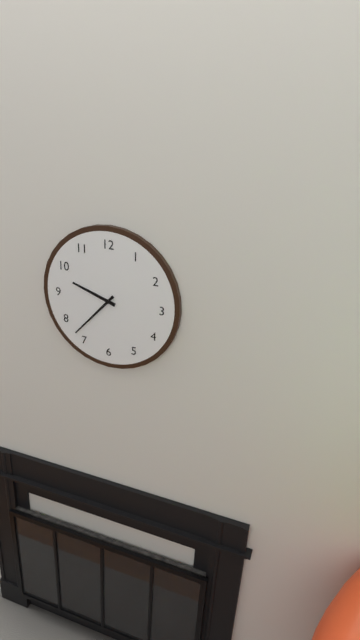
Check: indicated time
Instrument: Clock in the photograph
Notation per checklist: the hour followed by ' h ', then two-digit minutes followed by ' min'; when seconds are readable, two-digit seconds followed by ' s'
9 h 37 min
